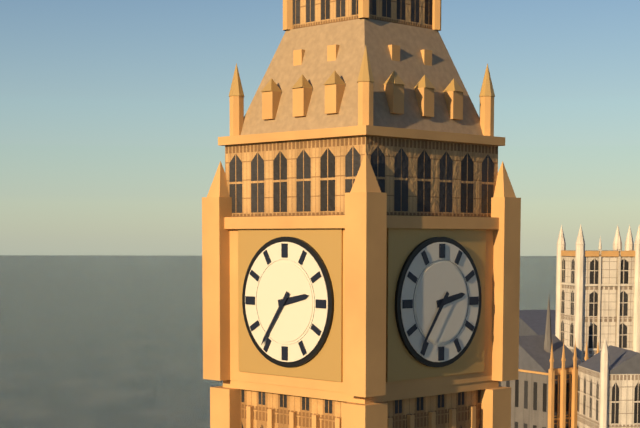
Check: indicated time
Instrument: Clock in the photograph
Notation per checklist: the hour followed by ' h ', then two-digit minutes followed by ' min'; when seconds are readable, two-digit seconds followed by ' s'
2 h 36 min
